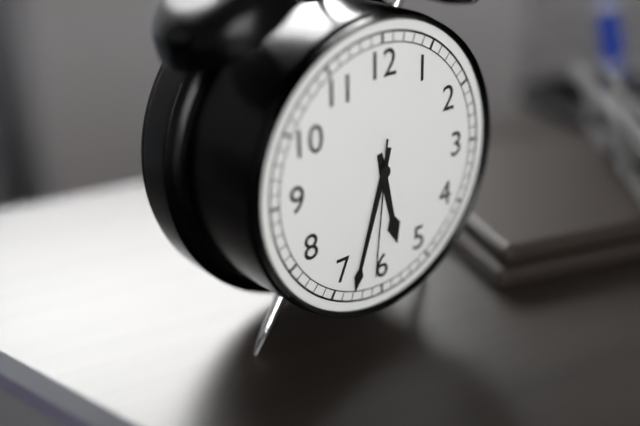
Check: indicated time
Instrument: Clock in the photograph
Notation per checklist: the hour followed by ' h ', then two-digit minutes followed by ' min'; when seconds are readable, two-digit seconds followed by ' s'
5 h 33 min 31 s
